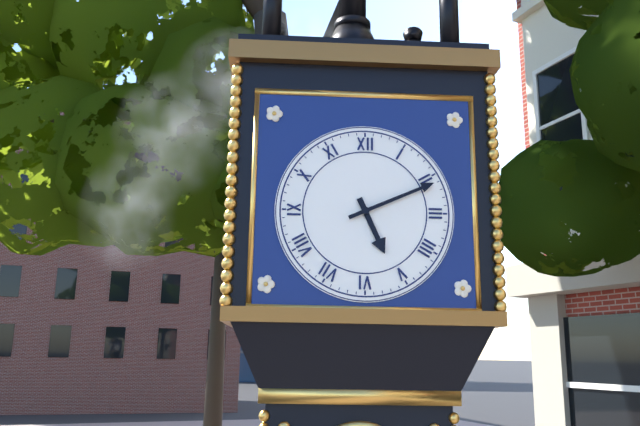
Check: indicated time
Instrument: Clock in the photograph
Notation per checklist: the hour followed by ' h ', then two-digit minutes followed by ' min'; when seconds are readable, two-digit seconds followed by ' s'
5 h 11 min
